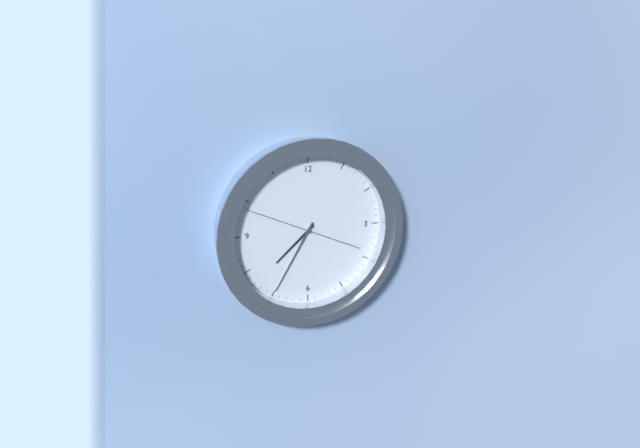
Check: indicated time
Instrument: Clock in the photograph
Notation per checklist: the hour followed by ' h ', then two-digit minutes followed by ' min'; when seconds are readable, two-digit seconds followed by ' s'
7 h 35 min 49 s
